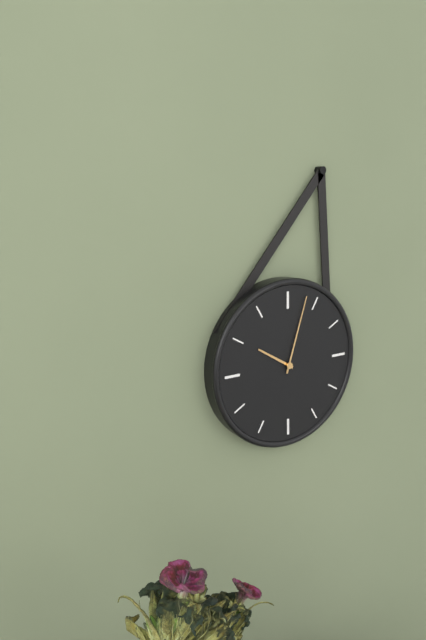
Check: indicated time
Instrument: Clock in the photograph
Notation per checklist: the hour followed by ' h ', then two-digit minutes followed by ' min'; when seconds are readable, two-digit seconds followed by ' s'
10 h 03 min
